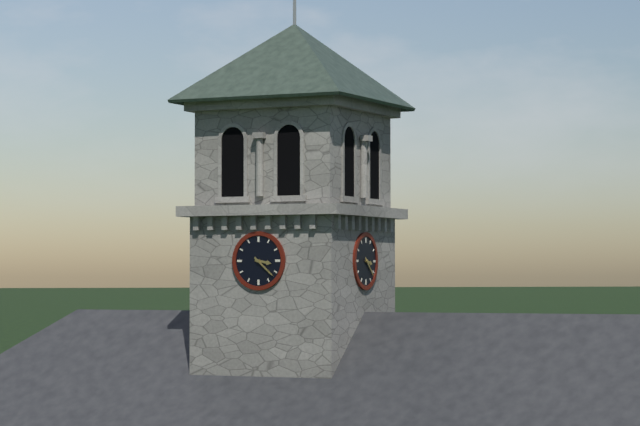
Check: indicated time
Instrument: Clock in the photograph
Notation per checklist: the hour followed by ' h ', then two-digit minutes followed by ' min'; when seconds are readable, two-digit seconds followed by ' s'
3 h 22 min
